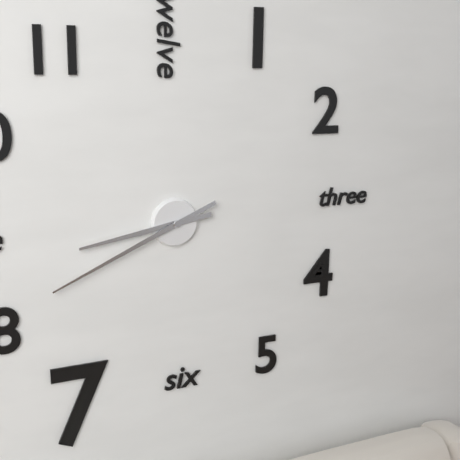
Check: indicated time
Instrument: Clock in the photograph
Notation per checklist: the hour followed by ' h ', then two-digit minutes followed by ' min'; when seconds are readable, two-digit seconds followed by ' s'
8 h 41 min
